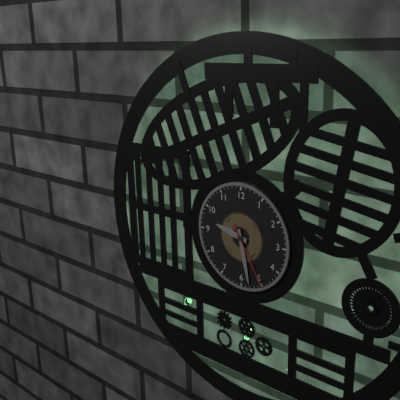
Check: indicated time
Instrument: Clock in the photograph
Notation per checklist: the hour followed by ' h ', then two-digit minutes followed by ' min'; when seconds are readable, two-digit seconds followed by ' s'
9 h 28 min 25 s
